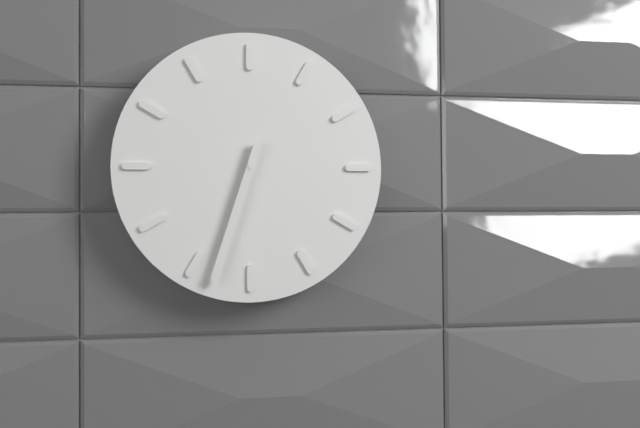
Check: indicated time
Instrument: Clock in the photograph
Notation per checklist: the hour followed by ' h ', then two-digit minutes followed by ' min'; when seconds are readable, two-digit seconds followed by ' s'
6 h 33 min
